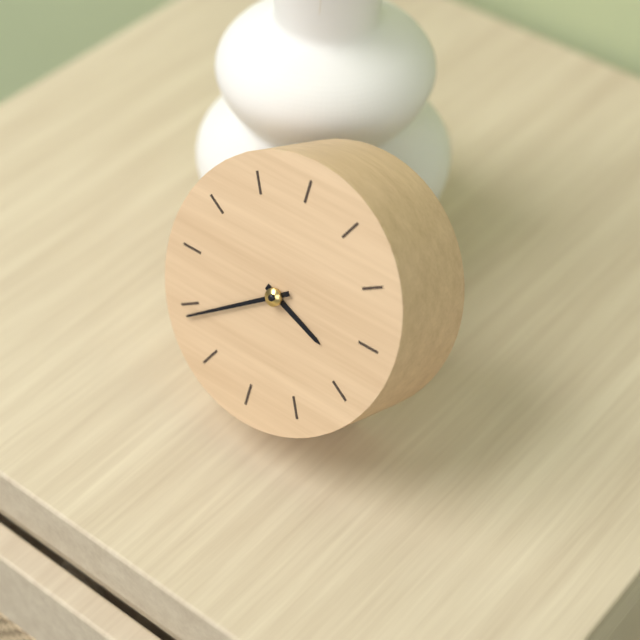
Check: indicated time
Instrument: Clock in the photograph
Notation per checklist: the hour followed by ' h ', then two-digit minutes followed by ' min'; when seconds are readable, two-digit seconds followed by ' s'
3 h 39 min
